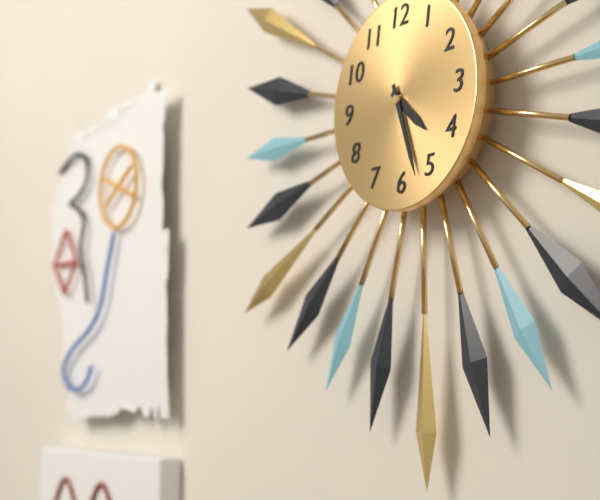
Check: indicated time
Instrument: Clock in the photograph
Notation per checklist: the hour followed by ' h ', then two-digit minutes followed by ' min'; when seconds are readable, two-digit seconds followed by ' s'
4 h 27 min
